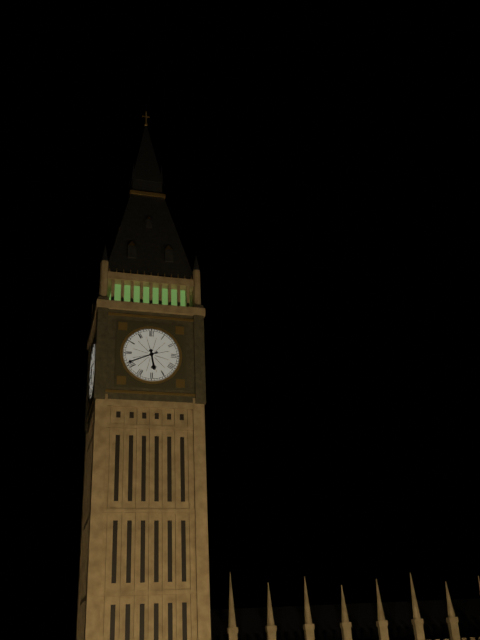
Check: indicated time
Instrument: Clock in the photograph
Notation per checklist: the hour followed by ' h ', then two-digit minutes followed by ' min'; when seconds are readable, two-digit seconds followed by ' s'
5 h 41 min
